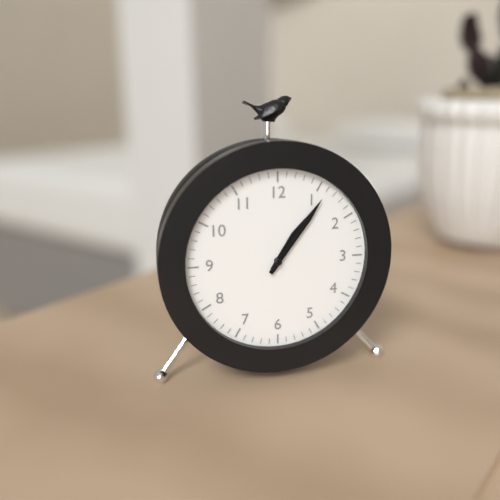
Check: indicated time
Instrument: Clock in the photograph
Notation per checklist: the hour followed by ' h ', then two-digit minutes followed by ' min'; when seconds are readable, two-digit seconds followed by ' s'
1 h 06 min
